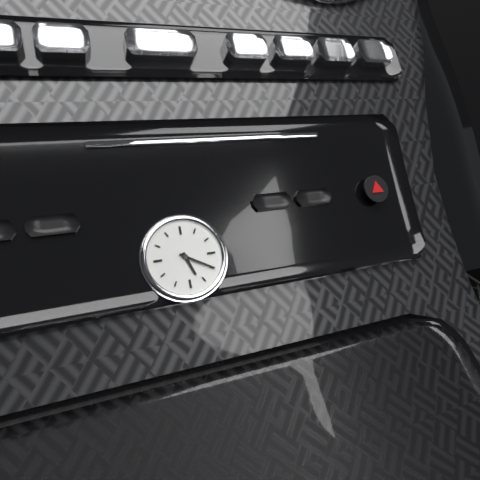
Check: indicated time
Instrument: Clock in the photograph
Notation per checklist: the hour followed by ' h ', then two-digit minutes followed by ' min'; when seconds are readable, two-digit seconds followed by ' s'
5 h 20 min
